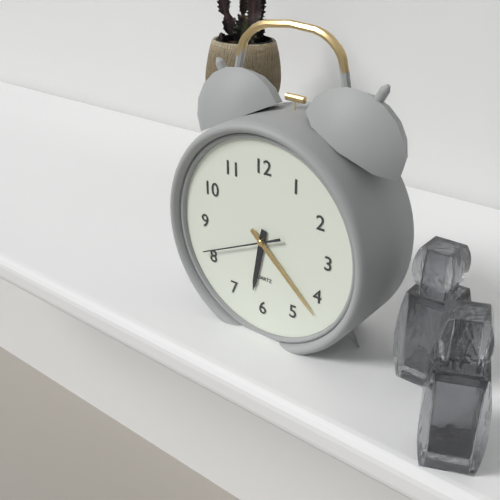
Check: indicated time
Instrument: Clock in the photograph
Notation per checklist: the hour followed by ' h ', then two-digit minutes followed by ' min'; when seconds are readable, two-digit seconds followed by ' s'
6 h 22 min 41 s
